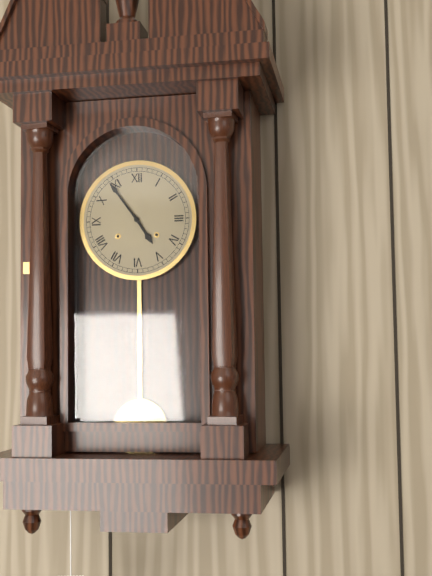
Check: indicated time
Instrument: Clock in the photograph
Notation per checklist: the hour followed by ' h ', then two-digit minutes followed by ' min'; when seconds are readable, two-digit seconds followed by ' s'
4 h 54 min
